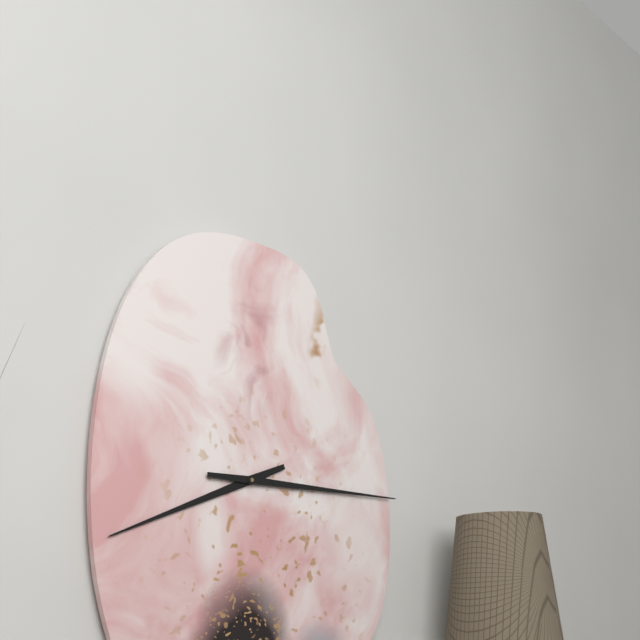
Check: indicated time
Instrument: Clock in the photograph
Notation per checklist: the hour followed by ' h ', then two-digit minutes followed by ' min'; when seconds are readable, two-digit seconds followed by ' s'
8 h 15 min
